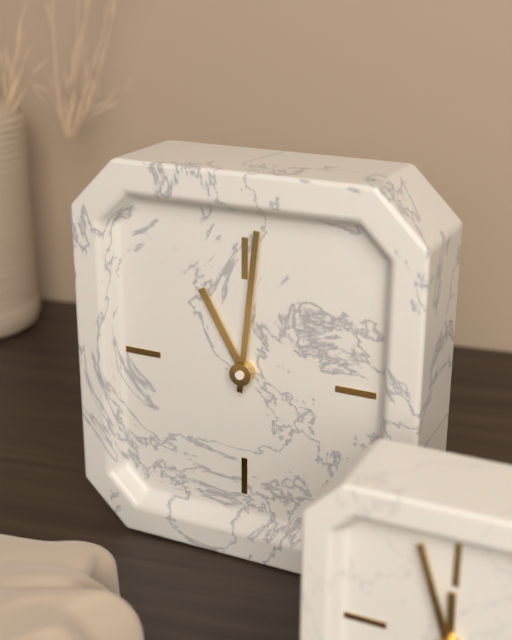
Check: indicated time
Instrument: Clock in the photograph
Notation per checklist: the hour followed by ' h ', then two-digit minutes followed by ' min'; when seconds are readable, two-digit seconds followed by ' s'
11 h 01 min
